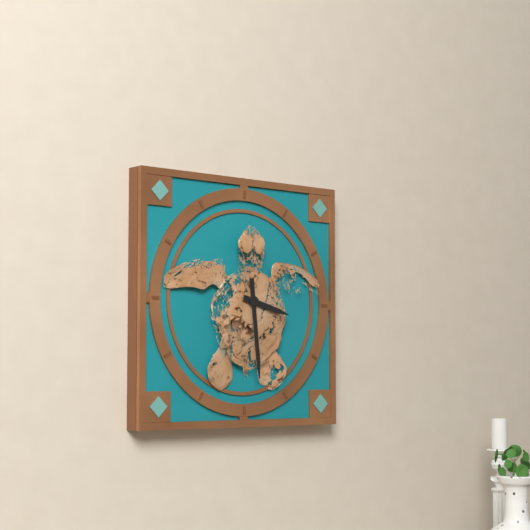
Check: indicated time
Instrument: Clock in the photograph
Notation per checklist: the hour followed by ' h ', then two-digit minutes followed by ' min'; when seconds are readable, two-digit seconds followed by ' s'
3 h 29 min
